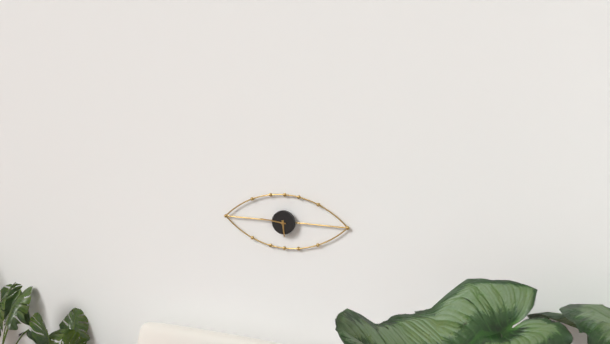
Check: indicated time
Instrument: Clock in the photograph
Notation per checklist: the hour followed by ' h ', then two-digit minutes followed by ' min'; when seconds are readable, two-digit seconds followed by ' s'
5 h 46 min
